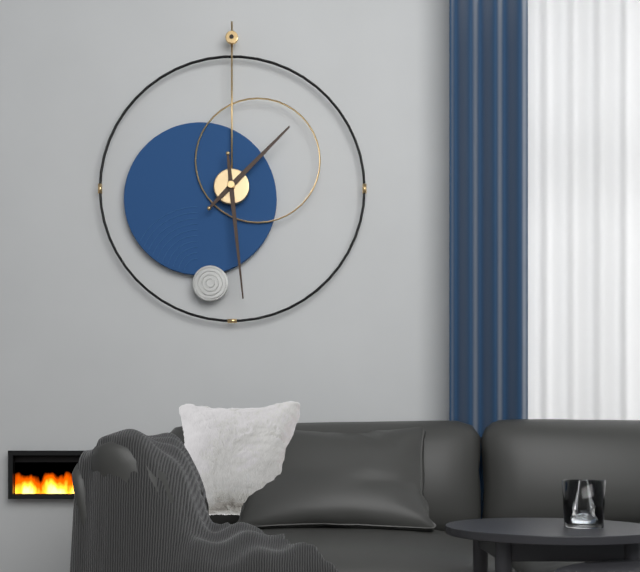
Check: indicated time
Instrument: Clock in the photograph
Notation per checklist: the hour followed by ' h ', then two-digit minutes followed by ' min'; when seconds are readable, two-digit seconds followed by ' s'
1 h 29 min
